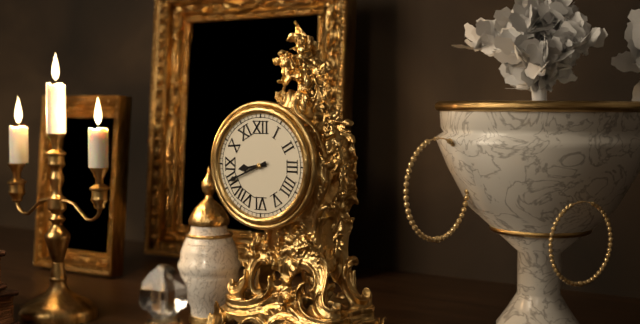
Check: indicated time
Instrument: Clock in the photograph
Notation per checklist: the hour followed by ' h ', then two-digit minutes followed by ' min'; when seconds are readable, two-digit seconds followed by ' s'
8 h 41 min
